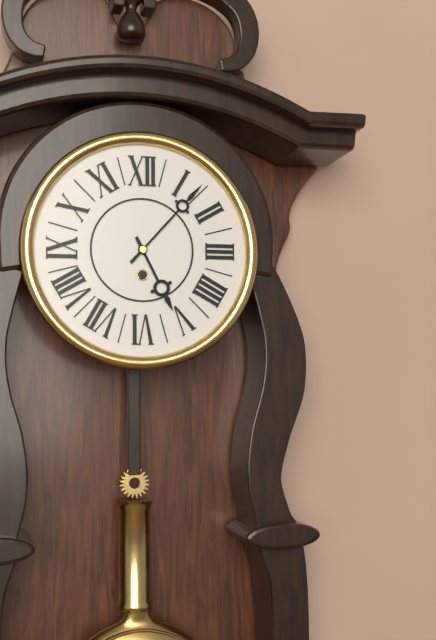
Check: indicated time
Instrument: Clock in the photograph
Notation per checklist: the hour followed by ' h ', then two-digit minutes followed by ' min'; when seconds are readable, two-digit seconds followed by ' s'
5 h 07 min
